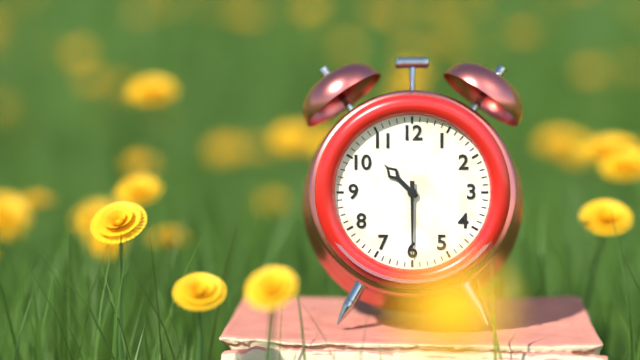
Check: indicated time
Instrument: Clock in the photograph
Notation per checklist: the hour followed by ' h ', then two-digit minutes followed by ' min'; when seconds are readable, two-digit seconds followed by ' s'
10 h 30 min
